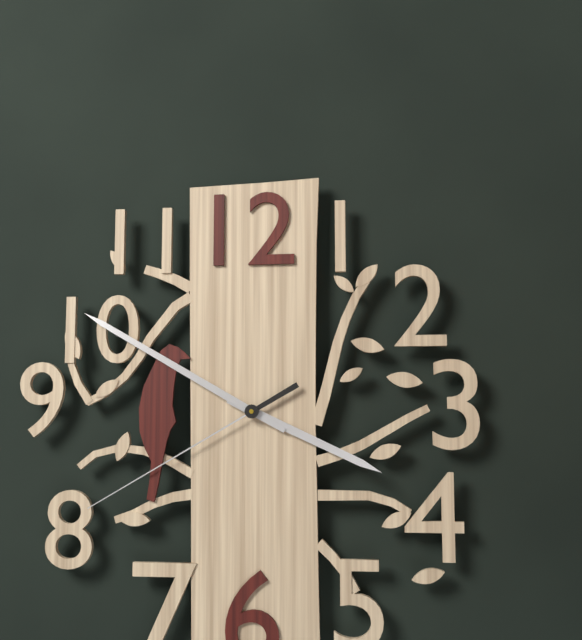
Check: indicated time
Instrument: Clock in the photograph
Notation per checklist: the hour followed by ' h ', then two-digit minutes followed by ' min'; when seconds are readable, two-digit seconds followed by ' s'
3 h 50 min 40 s
